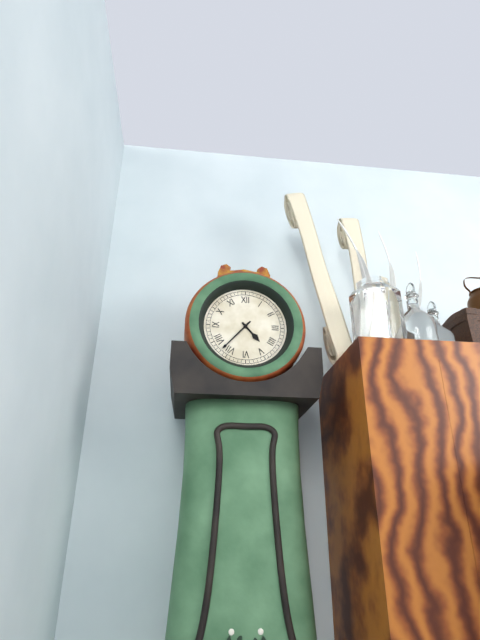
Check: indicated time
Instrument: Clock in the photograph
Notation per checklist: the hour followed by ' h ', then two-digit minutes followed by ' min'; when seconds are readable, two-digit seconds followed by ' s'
4 h 37 min
